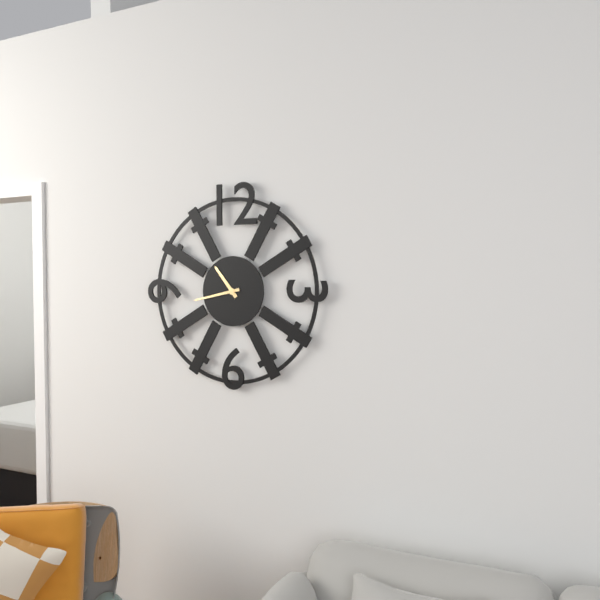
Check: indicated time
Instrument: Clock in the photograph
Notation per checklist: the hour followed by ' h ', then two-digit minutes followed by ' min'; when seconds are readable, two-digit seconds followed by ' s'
10 h 43 min
